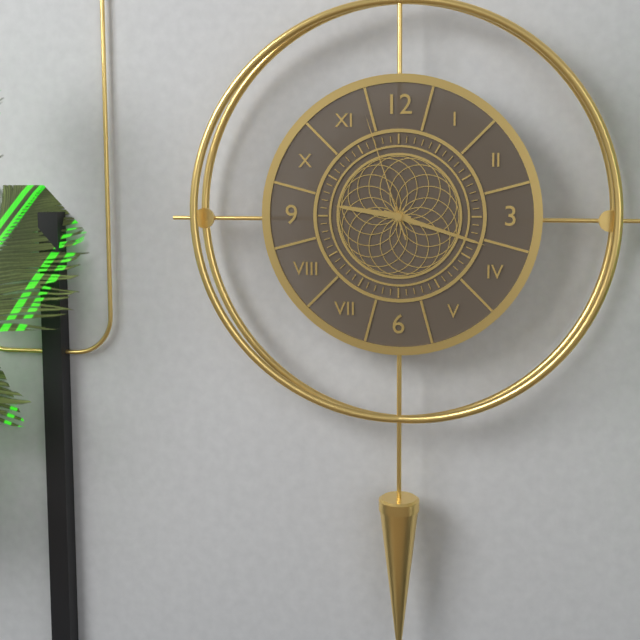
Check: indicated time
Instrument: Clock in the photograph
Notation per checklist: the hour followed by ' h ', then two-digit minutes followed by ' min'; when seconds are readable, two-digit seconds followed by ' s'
9 h 18 min 57 s
